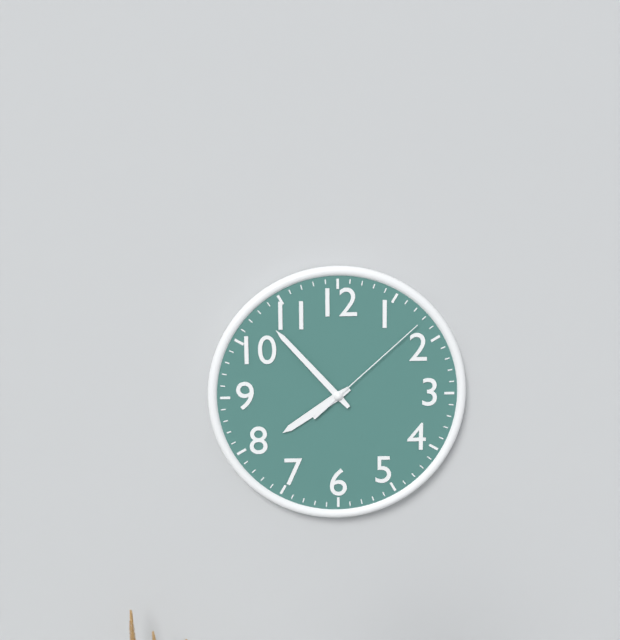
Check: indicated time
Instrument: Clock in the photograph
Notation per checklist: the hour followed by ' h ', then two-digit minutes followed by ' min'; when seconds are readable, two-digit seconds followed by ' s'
7 h 53 min 08 s
